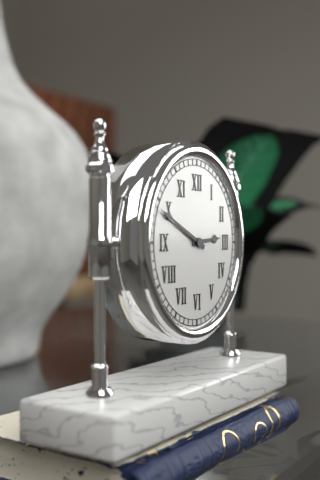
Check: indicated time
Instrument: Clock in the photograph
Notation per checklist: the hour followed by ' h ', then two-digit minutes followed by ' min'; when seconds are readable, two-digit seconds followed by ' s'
2 h 49 min
